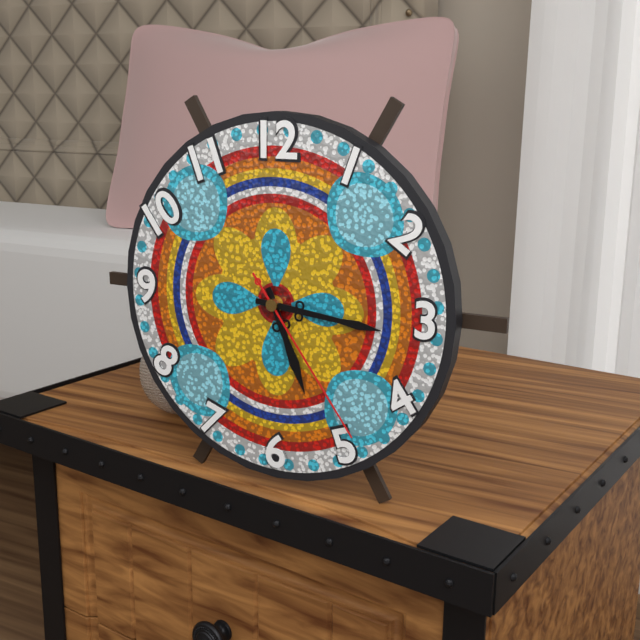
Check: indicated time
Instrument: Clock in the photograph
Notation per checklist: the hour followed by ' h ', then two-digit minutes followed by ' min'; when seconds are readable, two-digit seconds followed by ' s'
5 h 16 min 24 s
